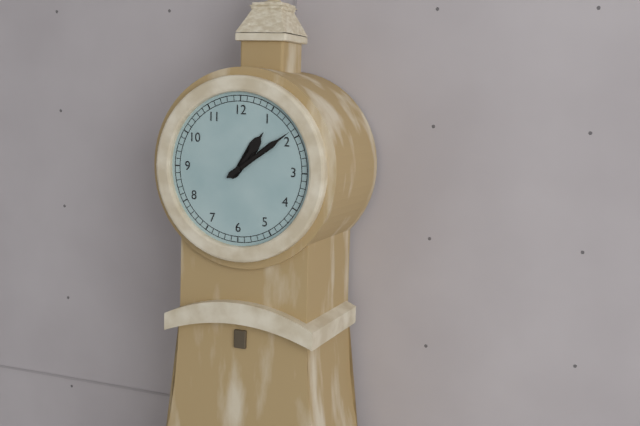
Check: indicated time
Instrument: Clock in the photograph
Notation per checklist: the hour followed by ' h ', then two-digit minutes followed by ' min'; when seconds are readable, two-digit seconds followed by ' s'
1 h 09 min
